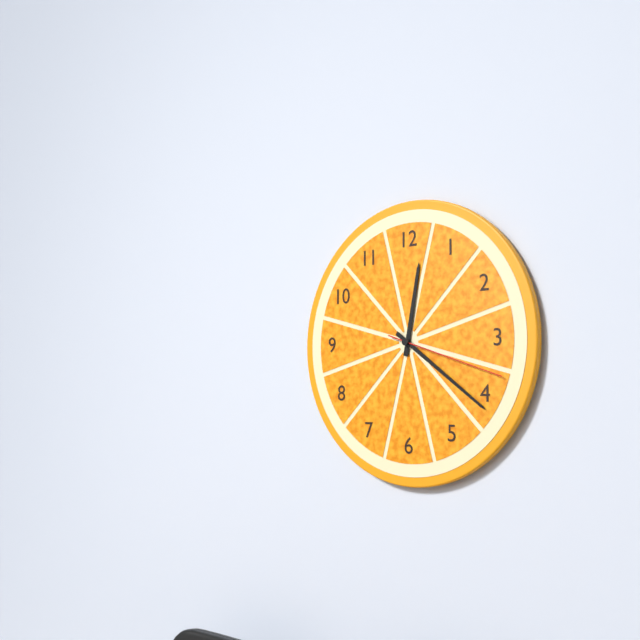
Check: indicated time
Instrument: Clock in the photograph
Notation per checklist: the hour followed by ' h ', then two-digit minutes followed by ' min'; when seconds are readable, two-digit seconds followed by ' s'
12 h 21 min 18 s
